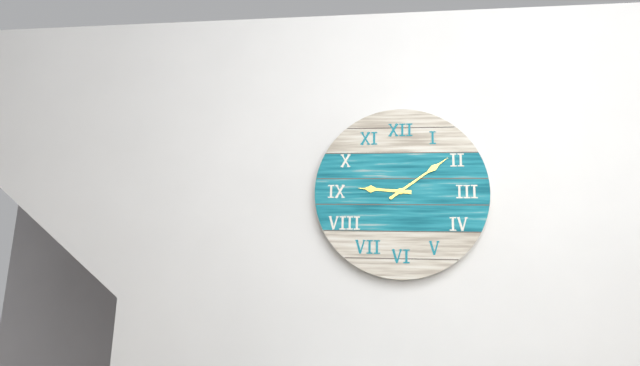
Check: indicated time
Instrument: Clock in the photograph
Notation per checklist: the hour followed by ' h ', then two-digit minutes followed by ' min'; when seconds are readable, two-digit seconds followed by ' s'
9 h 09 min
